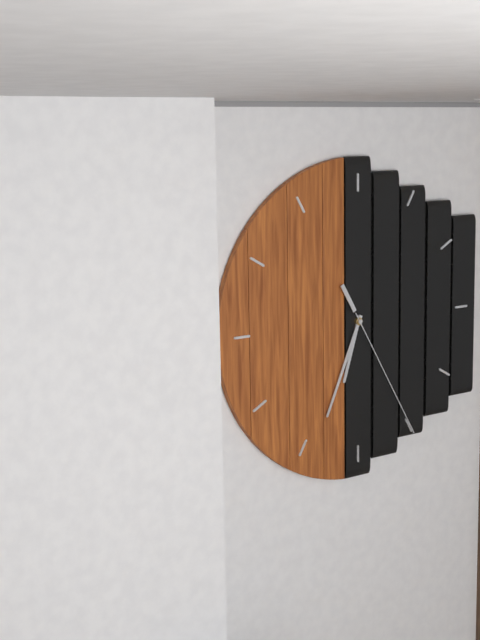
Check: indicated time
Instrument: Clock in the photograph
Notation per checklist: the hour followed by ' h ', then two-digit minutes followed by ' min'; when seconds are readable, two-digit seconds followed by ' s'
6 h 34 min 25 s
